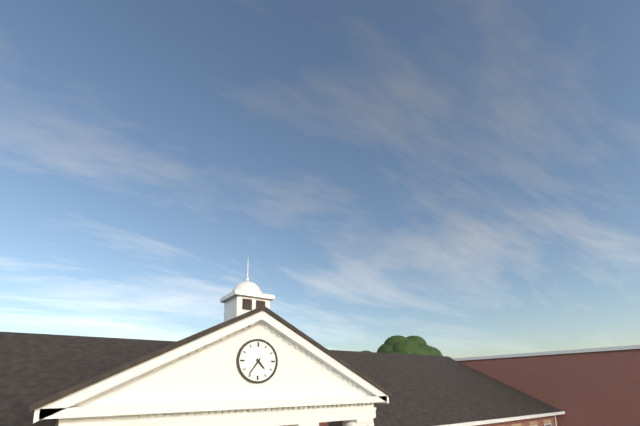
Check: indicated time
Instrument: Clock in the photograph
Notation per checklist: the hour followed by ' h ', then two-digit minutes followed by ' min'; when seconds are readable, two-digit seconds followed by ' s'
4 h 36 min
